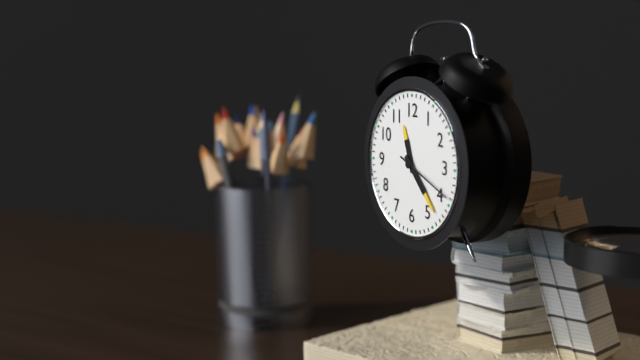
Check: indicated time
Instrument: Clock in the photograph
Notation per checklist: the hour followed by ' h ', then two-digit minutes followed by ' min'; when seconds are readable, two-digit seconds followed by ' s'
11 h 23 min 19 s
